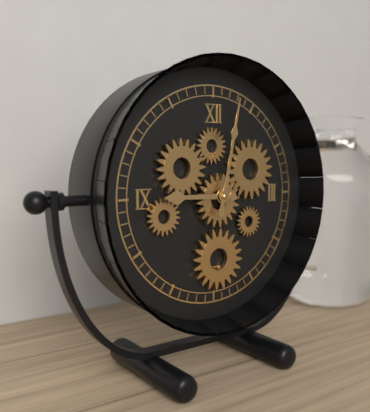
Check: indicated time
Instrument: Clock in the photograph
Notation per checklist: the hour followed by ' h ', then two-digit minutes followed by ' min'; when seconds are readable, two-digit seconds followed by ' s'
9 h 02 min
